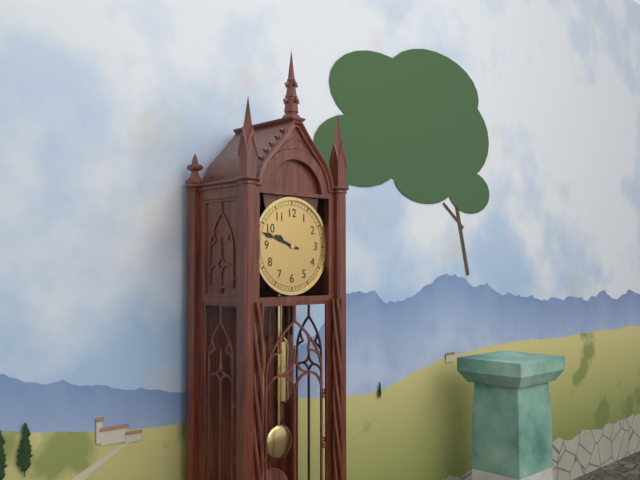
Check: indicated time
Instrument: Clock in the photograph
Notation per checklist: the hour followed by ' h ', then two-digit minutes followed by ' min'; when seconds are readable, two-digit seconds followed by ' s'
9 h 48 min
